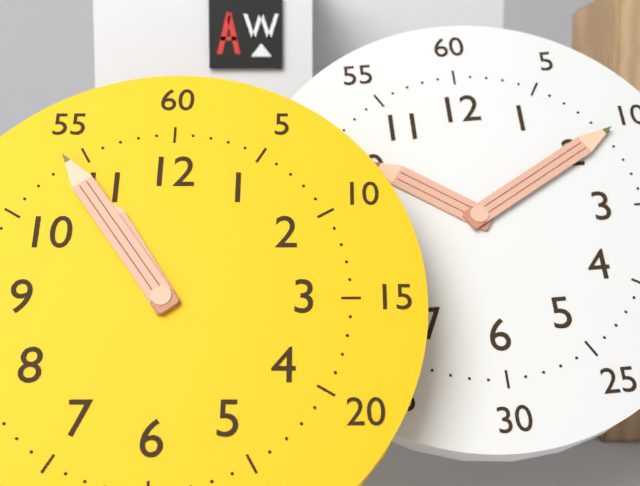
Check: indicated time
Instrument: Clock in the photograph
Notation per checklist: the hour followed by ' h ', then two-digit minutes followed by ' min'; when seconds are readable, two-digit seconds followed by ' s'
10 h 54 min
